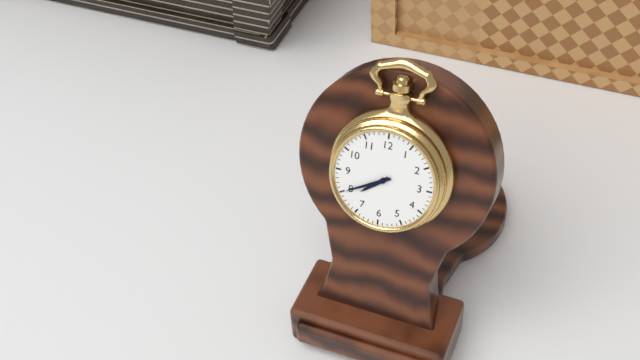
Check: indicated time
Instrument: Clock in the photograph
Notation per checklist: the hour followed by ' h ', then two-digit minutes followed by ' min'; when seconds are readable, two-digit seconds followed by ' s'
7 h 40 min
